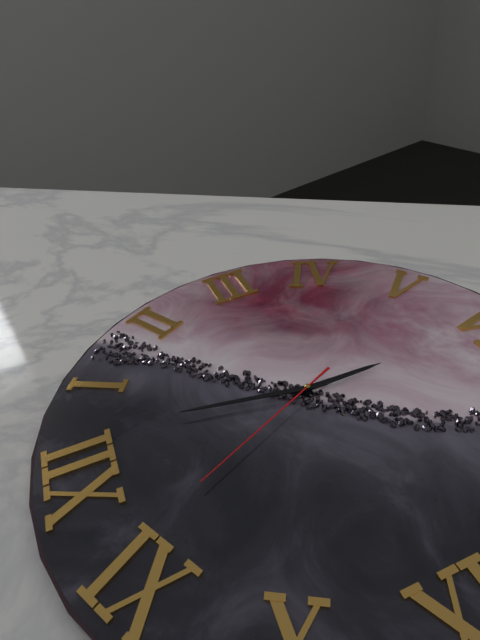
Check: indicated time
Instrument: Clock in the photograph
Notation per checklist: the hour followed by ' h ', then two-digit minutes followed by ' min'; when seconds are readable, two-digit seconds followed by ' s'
6 h 02 min 56 s
